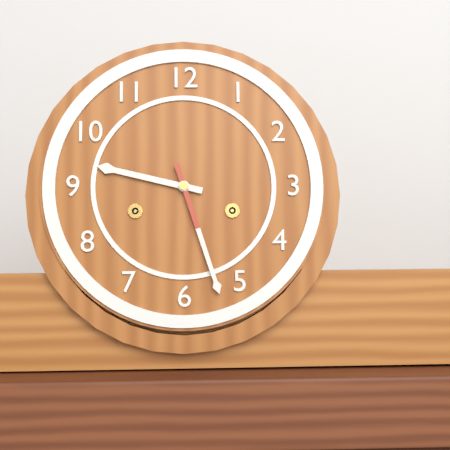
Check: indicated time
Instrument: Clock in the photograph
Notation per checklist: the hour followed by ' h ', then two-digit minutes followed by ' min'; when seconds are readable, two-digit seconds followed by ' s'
9 h 27 min
